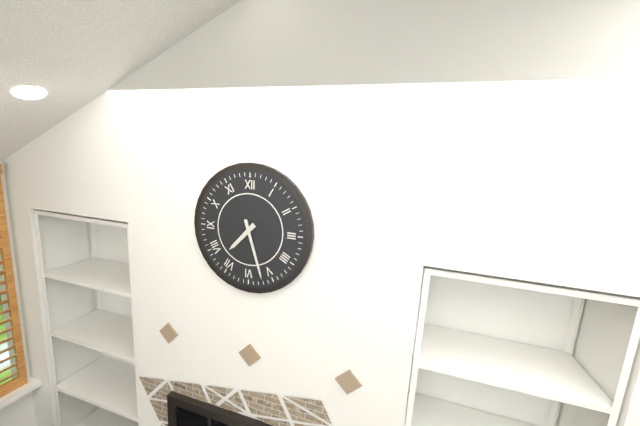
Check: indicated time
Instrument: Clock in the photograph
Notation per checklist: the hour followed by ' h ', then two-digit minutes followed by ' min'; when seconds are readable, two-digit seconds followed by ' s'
7 h 27 min
